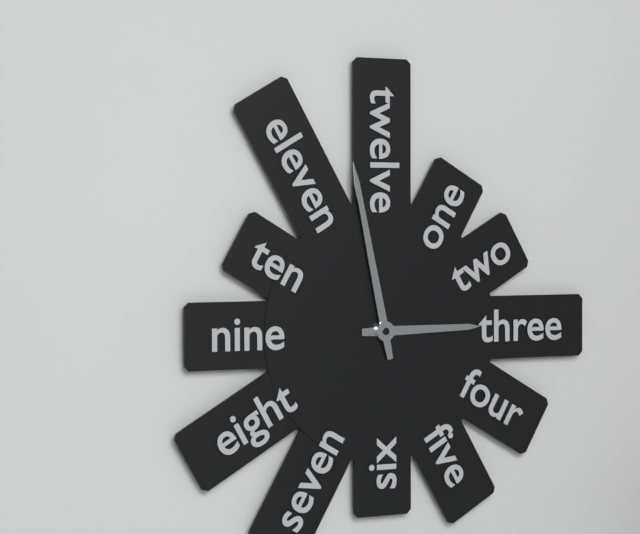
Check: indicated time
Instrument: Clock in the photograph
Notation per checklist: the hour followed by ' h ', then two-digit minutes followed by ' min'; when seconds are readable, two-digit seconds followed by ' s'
2 h 58 min
